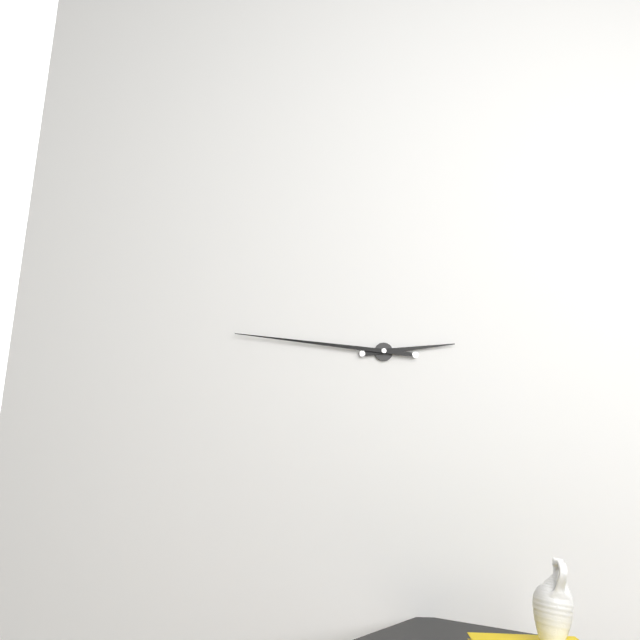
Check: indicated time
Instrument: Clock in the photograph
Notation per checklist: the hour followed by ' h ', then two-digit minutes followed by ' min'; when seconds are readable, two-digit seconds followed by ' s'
2 h 46 min
